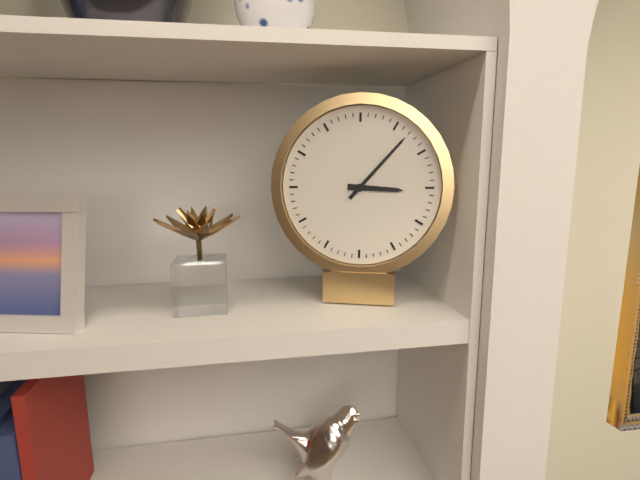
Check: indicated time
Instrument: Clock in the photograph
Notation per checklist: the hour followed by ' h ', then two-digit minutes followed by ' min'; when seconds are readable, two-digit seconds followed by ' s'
3 h 07 min
